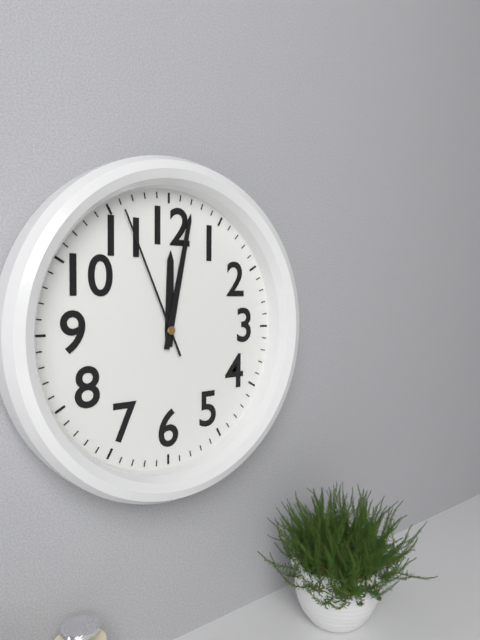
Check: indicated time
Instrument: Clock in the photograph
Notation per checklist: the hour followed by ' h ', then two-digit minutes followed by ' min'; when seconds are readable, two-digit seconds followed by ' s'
12 h 02 min 56 s
